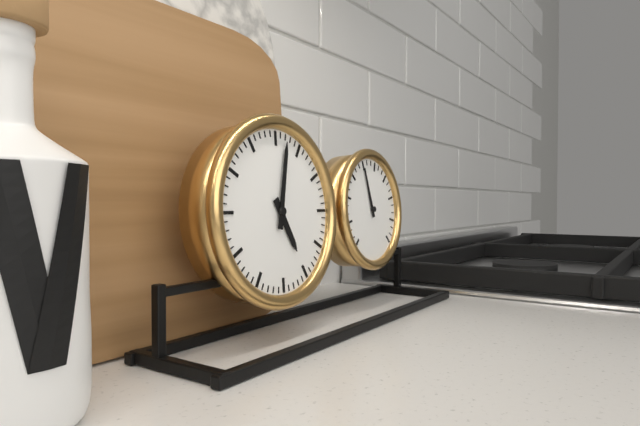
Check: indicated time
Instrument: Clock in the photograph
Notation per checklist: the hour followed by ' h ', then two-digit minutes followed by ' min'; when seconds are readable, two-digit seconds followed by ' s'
5 h 02 min
